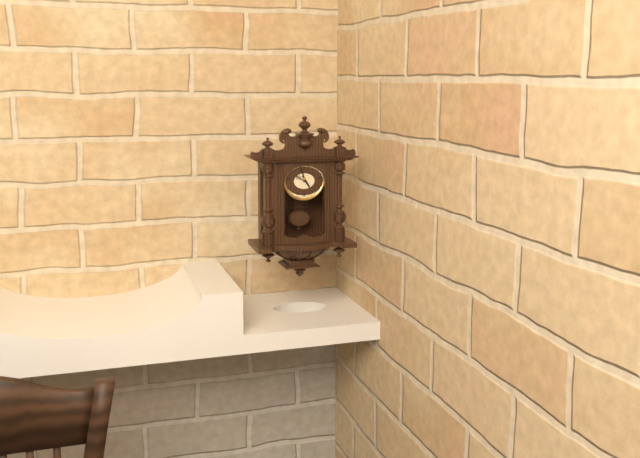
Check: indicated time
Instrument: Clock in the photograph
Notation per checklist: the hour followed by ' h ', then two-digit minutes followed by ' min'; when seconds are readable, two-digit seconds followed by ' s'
4 h 57 min
